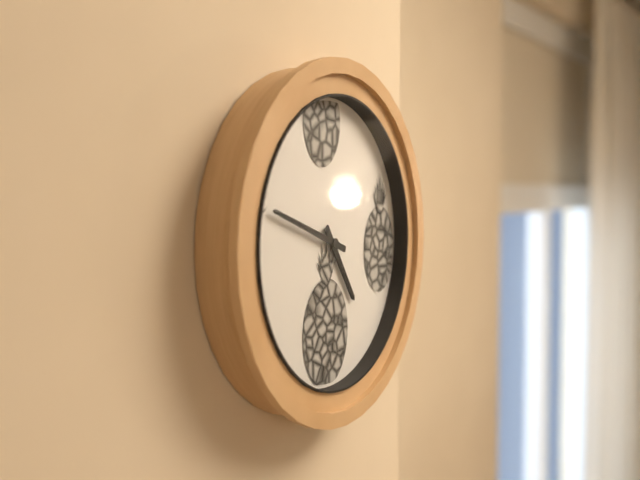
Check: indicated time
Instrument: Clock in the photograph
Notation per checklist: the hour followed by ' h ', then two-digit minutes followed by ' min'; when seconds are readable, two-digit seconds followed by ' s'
4 h 48 min
